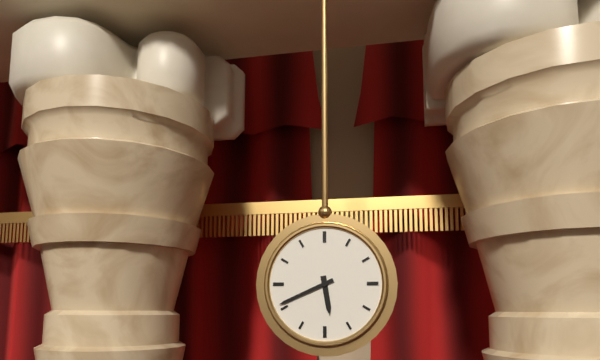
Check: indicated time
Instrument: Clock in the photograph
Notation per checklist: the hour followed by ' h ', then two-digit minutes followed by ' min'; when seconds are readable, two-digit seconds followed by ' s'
5 h 41 min
